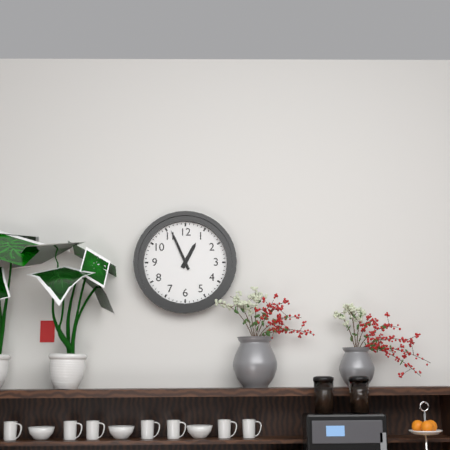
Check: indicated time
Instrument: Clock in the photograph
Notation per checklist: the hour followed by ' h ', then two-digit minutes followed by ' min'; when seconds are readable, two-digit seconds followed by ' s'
12 h 56 min
